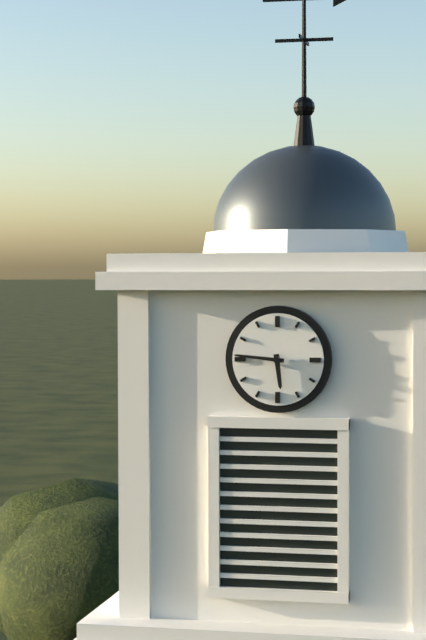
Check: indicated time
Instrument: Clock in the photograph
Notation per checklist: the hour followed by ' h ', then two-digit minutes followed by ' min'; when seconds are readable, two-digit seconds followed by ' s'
5 h 46 min
